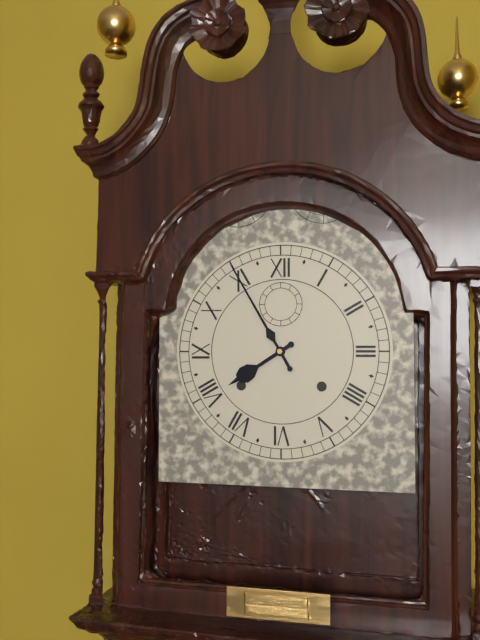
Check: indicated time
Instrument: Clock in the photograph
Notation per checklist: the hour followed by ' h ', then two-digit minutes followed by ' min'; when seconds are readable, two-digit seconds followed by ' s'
7 h 55 min
